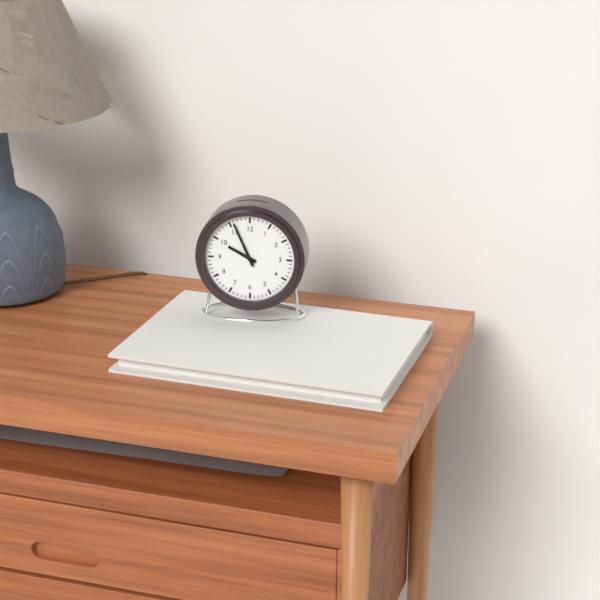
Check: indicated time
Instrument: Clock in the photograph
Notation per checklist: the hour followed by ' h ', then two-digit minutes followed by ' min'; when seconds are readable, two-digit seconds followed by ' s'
9 h 56 min
